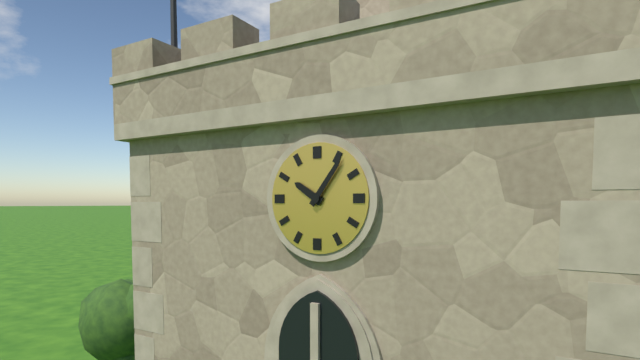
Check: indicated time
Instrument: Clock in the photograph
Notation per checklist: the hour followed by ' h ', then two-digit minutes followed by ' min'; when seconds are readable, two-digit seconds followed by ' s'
10 h 06 min
